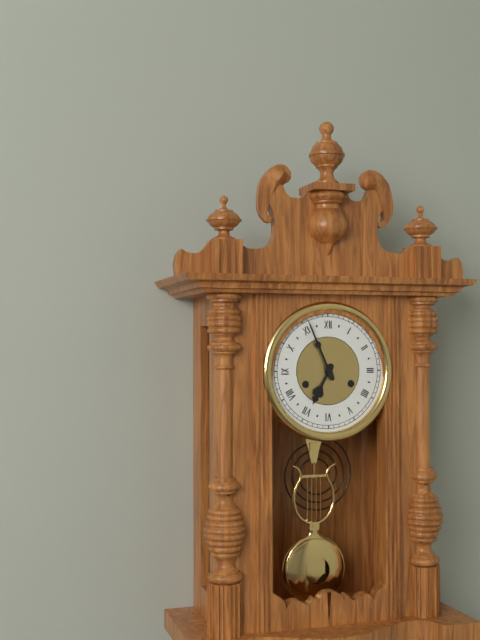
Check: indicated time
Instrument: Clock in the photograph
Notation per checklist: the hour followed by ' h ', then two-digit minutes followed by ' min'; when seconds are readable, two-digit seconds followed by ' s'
6 h 56 min
